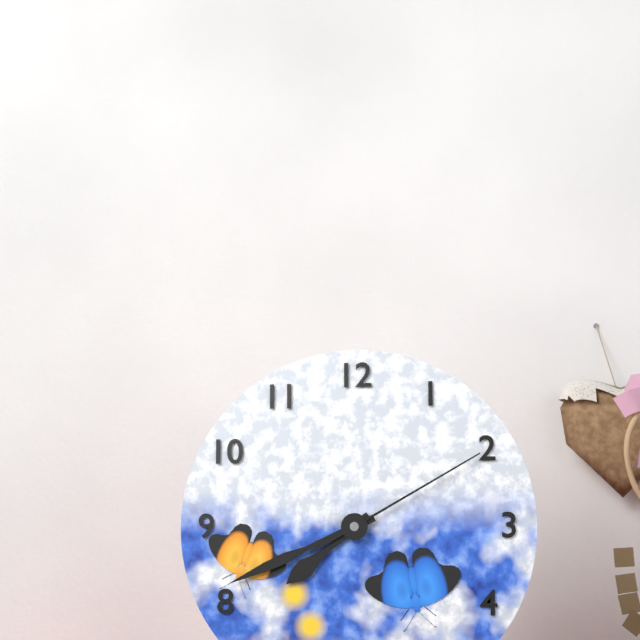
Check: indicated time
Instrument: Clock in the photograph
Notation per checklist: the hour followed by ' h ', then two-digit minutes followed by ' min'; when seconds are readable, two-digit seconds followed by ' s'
7 h 41 min 10 s
